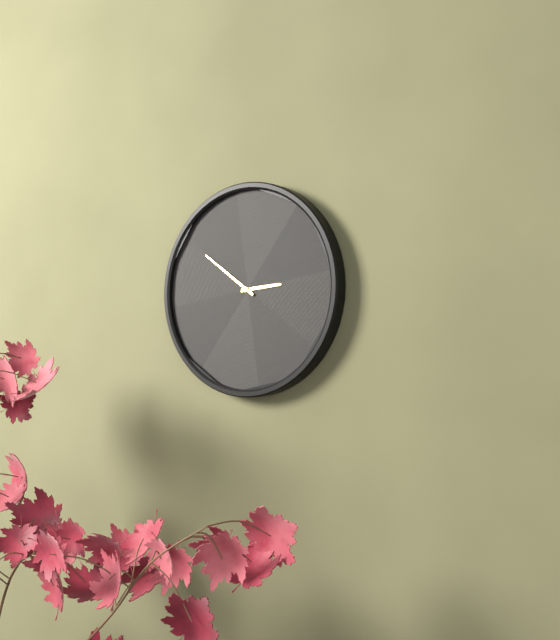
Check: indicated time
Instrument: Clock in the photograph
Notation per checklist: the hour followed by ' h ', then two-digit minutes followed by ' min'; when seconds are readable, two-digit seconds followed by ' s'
2 h 51 min
